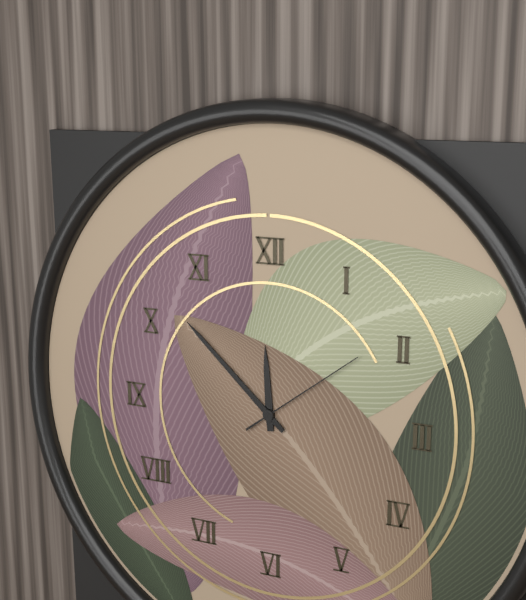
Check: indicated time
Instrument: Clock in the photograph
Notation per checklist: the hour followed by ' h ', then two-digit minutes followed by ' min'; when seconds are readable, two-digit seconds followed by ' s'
11 h 52 min 09 s
